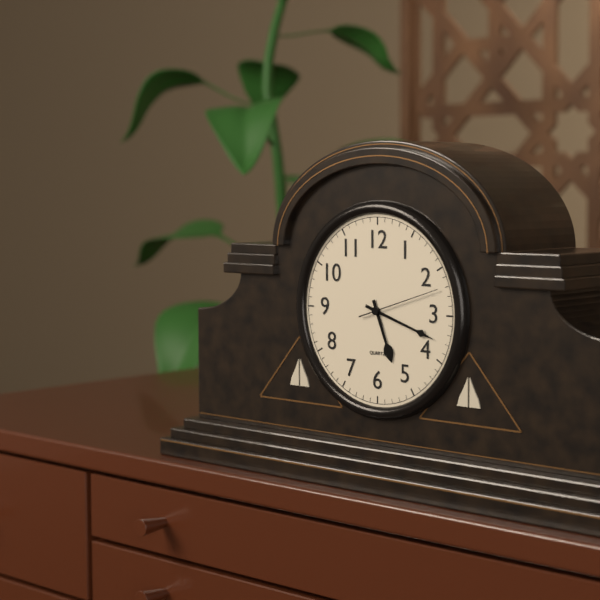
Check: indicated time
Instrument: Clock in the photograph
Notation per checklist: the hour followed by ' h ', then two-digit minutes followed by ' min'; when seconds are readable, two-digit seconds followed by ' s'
5 h 18 min 12 s
